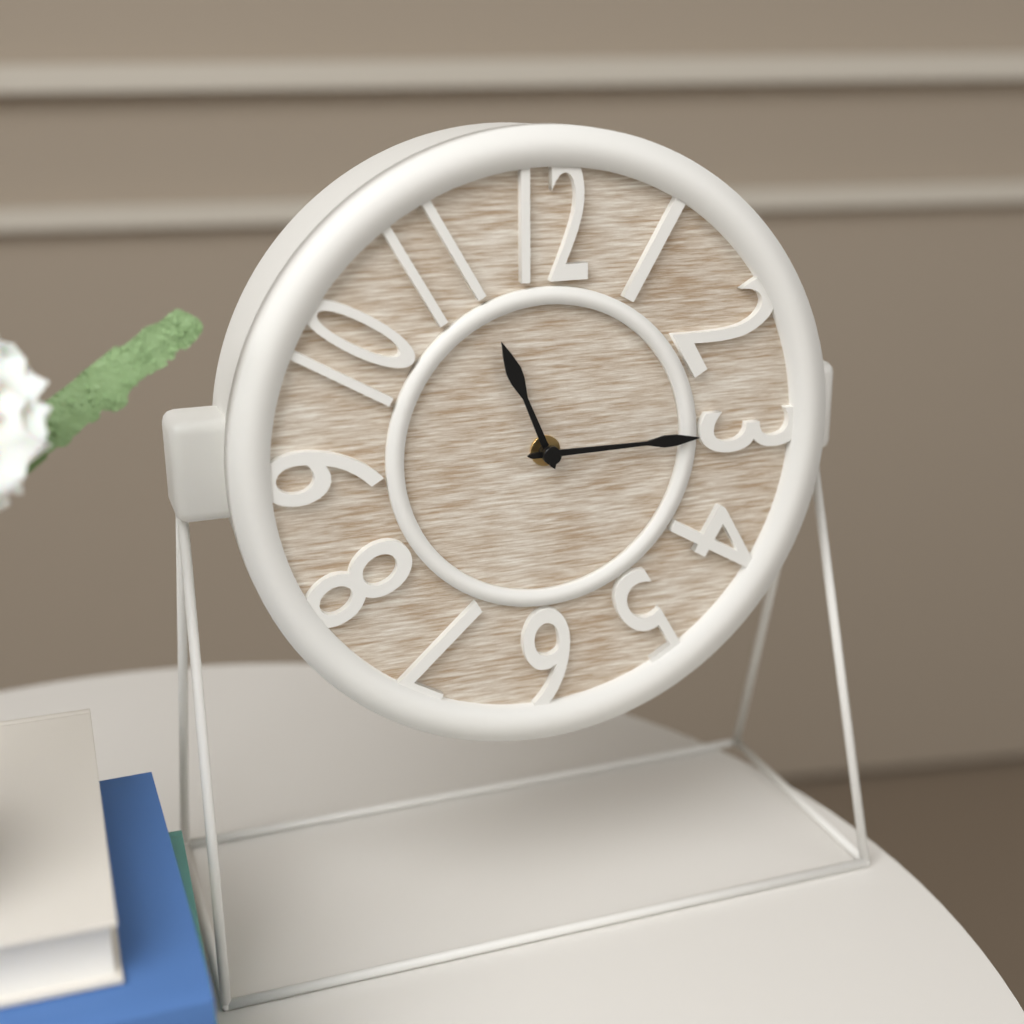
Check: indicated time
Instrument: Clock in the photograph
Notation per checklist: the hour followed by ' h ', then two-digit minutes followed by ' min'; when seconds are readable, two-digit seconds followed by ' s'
11 h 15 min
